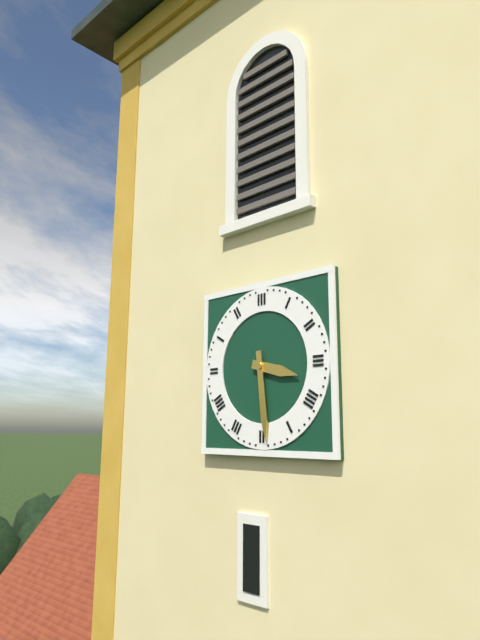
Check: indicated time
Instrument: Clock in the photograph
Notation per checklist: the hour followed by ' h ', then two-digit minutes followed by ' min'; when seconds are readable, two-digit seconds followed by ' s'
3 h 29 min
